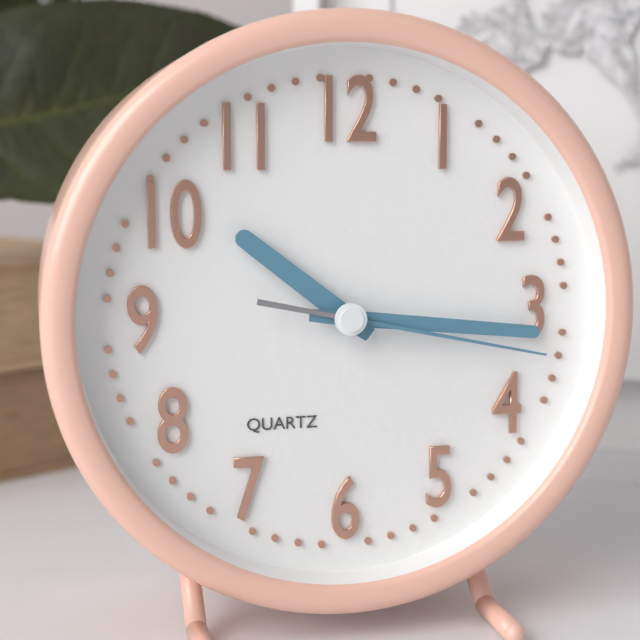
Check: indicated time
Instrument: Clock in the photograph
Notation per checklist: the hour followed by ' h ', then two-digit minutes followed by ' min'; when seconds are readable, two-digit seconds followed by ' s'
10 h 16 min 17 s
